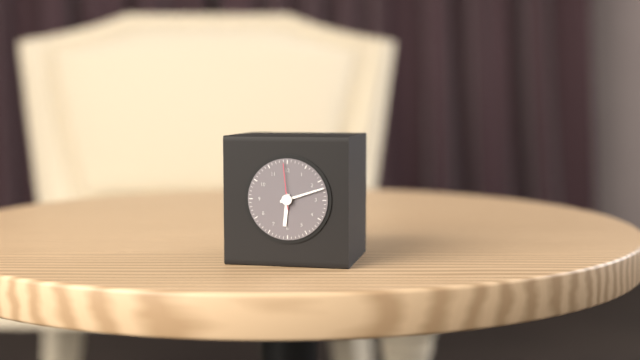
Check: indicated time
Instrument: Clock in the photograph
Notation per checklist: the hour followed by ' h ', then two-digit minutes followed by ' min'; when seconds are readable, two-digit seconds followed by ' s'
6 h 12 min
